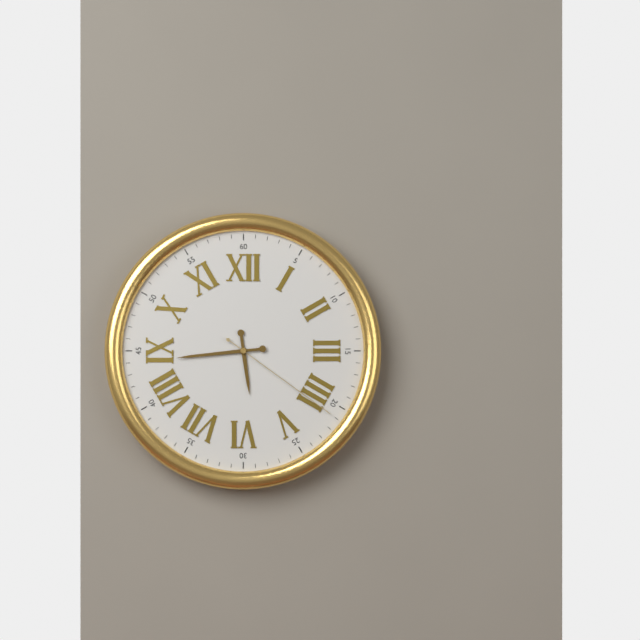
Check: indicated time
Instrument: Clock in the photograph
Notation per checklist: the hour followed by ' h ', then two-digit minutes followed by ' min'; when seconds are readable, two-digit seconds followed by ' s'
5 h 44 min 21 s
